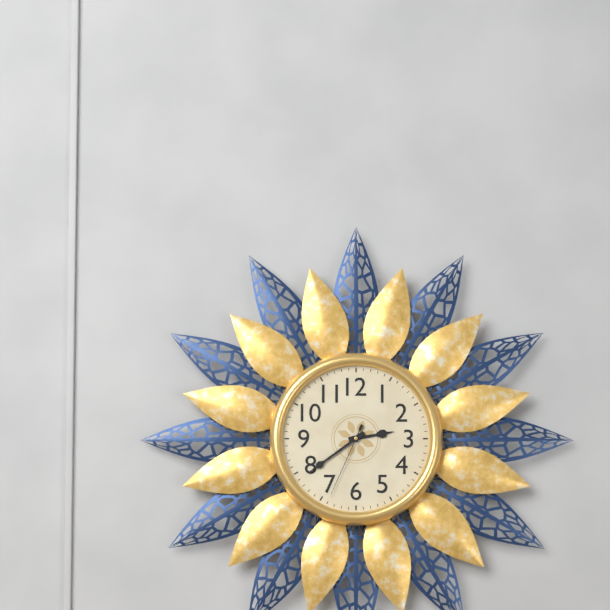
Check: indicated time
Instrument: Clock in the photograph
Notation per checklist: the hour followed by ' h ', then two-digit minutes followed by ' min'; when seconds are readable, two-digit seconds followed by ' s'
2 h 39 min 34 s
